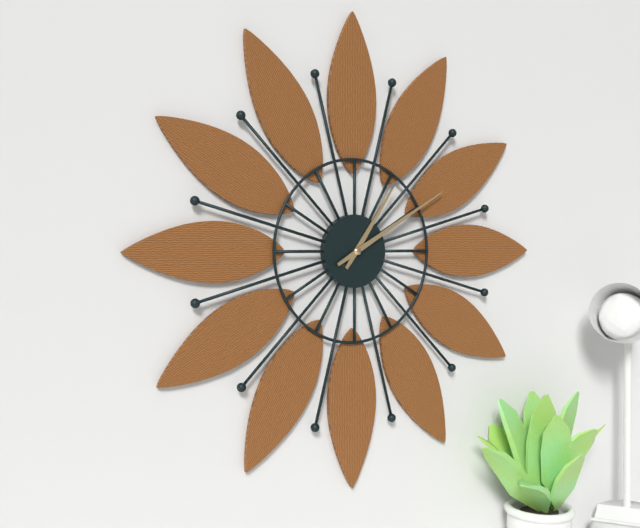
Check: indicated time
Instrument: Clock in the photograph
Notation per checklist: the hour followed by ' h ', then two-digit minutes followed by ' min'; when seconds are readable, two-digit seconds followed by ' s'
1 h 10 min
